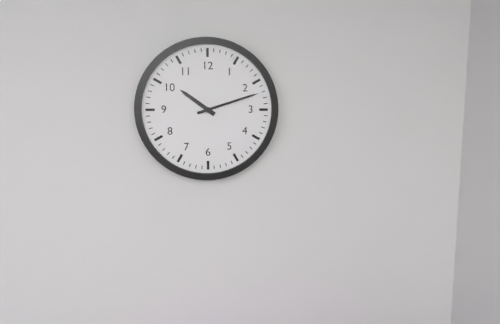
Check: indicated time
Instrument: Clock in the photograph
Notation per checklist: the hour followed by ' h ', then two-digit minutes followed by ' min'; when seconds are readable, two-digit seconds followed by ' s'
10 h 12 min
